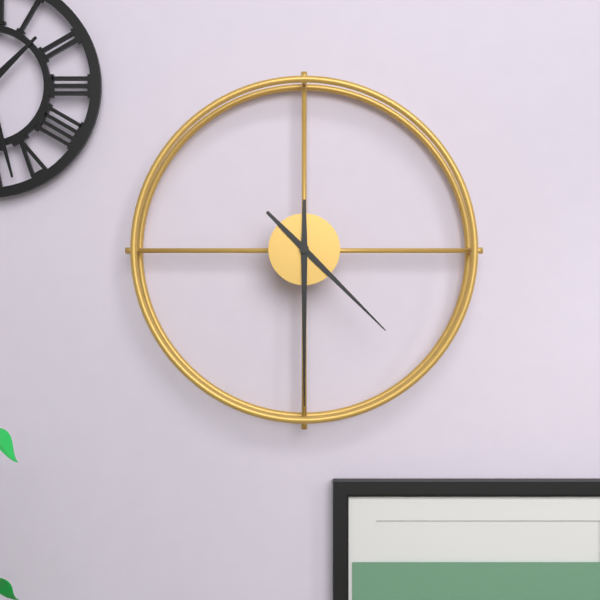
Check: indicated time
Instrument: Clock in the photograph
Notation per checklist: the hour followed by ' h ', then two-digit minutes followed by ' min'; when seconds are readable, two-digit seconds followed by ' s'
4 h 30 min
